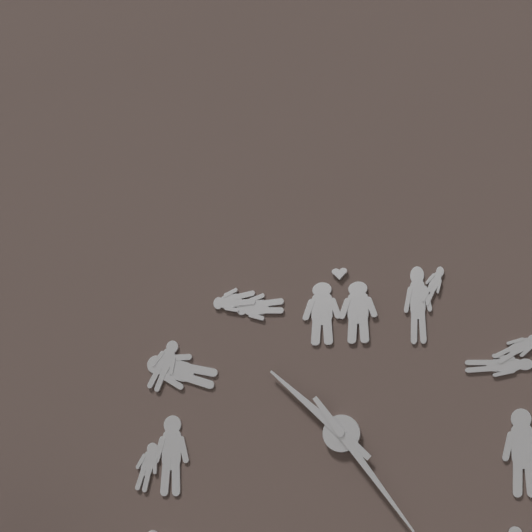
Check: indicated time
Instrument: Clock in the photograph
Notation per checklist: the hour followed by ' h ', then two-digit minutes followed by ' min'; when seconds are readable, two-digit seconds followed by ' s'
10 h 24 min
